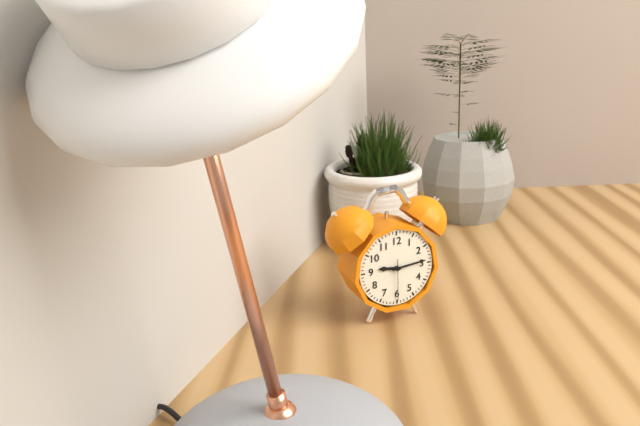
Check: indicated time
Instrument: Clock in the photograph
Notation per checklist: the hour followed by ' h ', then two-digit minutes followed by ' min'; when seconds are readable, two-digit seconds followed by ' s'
9 h 14 min
